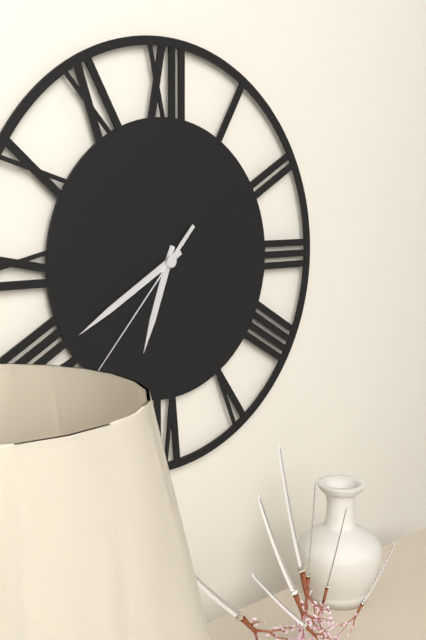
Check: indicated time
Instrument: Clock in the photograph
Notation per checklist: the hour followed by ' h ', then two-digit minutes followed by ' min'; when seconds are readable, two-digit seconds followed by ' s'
6 h 40 min 37 s
